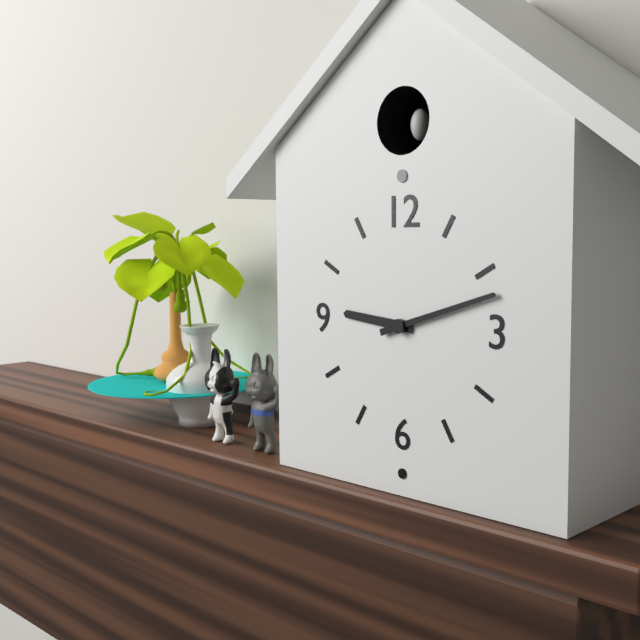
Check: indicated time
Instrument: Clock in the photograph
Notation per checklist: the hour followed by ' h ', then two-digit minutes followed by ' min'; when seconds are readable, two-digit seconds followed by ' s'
9 h 12 min
